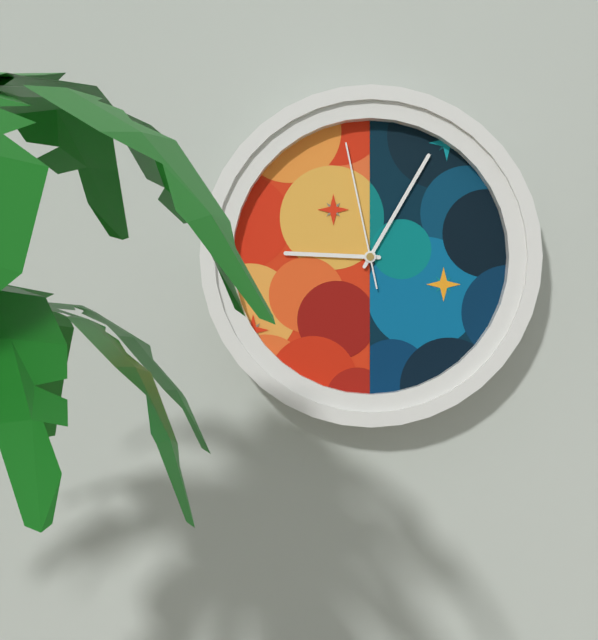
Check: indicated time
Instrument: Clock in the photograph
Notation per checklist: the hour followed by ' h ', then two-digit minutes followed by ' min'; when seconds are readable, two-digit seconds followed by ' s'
9 h 05 min 58 s
